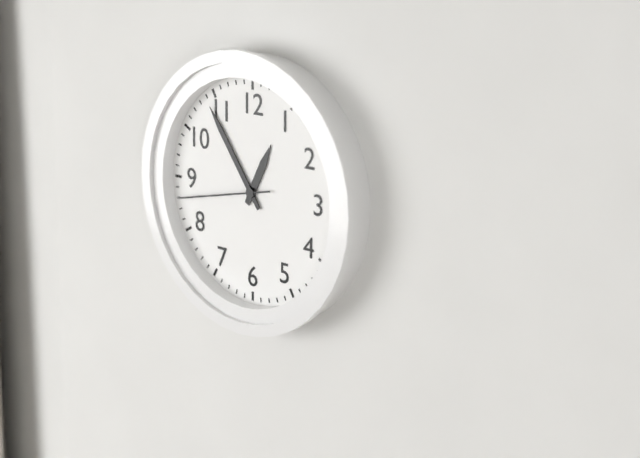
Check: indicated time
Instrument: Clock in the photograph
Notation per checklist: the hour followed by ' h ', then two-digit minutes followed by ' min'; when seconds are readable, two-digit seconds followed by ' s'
12 h 54 min 43 s
